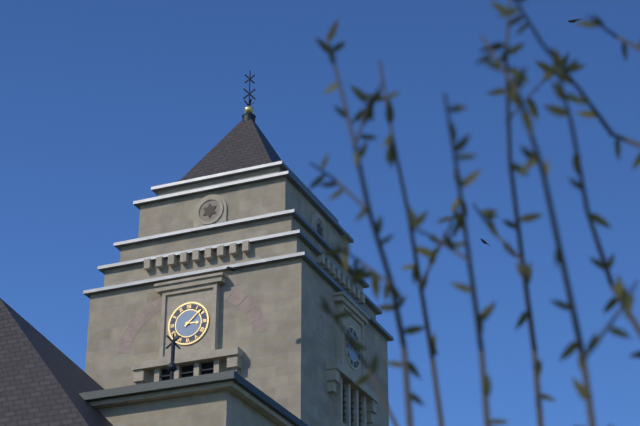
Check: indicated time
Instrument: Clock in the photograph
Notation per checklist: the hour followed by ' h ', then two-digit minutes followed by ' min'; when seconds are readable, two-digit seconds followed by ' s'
3 h 08 min
